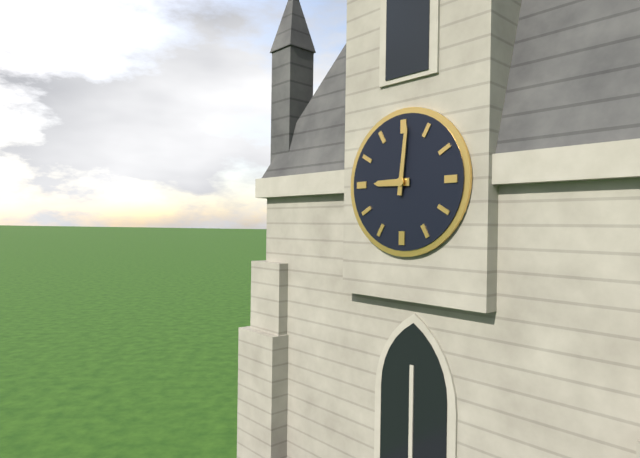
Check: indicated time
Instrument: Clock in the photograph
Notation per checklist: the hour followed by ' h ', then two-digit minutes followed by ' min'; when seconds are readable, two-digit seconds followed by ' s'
9 h 01 min
